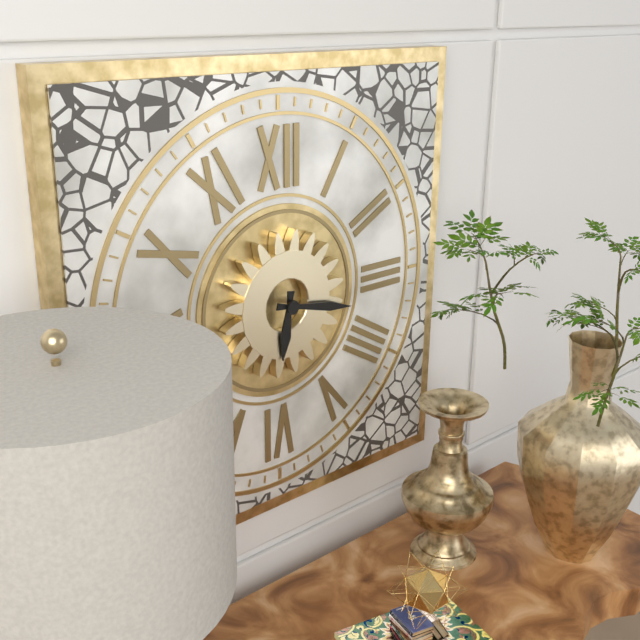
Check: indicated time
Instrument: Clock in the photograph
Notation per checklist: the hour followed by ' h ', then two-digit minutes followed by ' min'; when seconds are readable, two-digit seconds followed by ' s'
6 h 17 min
